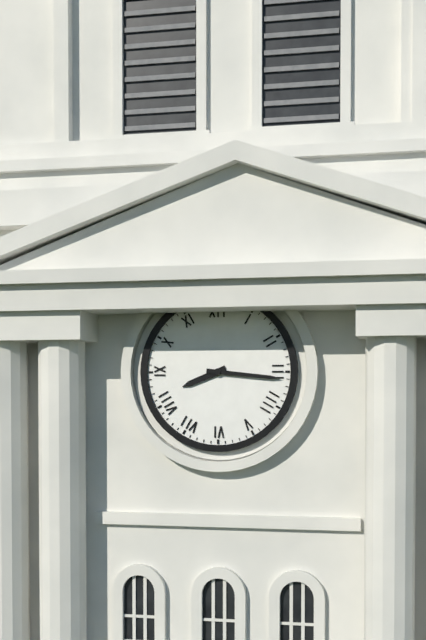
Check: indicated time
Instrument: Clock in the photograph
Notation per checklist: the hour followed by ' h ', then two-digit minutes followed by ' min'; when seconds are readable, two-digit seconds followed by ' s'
8 h 16 min
